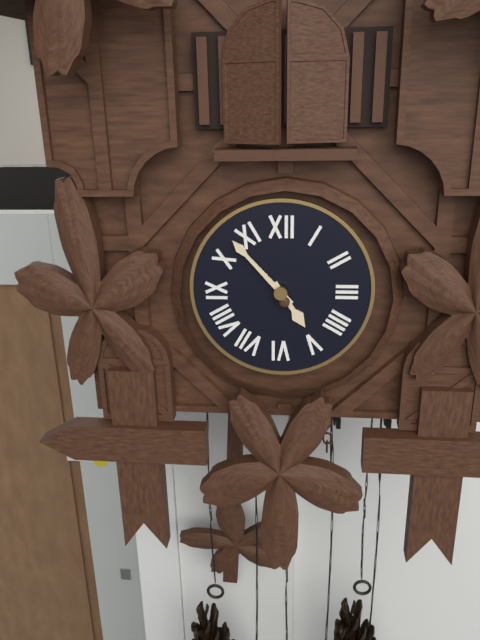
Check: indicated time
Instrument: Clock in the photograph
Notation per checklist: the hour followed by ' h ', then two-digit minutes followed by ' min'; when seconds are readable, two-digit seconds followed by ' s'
4 h 53 min
